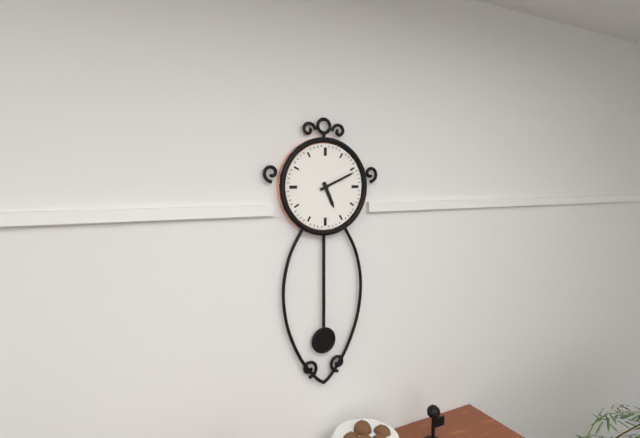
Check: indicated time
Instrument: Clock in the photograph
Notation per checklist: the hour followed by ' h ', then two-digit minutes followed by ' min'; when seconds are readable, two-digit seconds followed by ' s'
5 h 11 min
